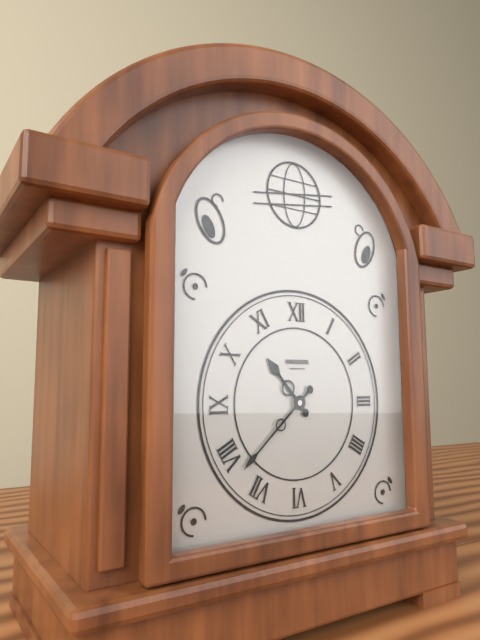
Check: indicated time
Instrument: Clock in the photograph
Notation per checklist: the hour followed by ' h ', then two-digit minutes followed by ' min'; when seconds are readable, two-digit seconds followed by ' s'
10 h 38 min
